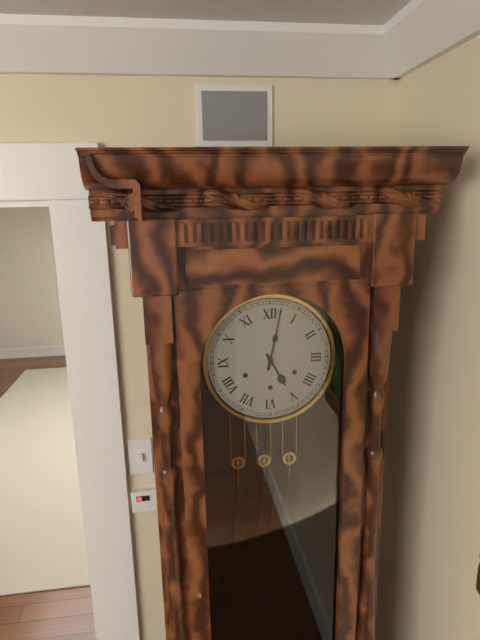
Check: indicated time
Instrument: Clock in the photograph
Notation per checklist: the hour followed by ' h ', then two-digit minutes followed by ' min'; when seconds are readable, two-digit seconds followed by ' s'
5 h 02 min
